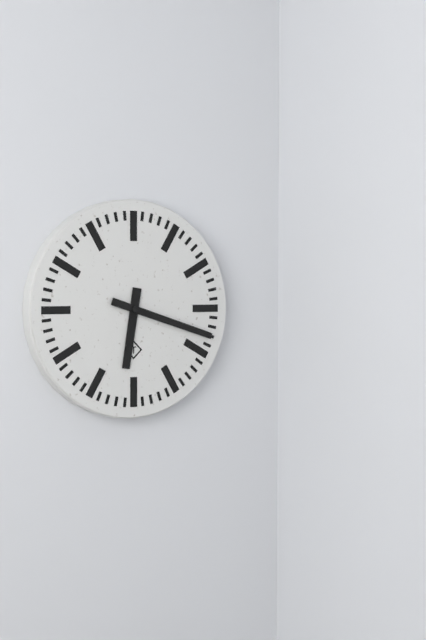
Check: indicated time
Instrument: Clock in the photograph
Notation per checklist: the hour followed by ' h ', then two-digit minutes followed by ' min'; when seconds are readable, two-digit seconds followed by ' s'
6 h 18 min
